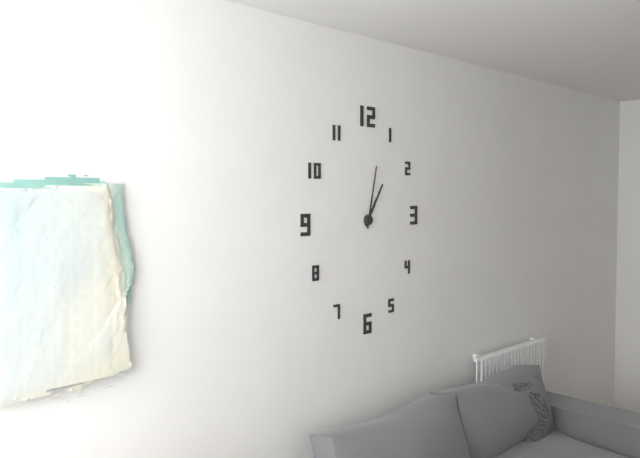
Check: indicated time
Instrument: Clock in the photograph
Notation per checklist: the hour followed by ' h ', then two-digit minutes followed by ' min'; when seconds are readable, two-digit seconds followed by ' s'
1 h 02 min
